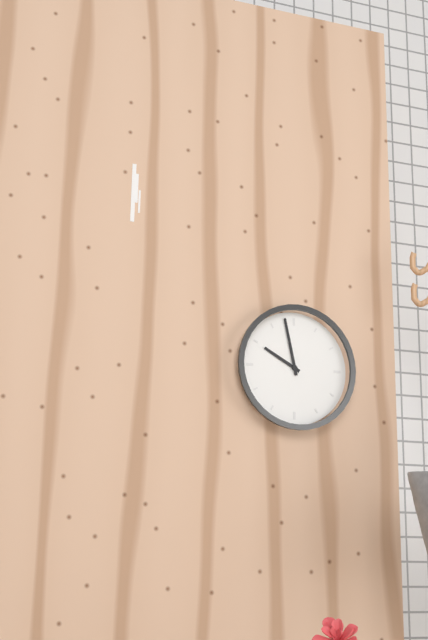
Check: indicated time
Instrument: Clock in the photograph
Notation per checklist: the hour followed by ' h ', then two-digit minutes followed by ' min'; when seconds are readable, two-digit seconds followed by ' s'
9 h 58 min
